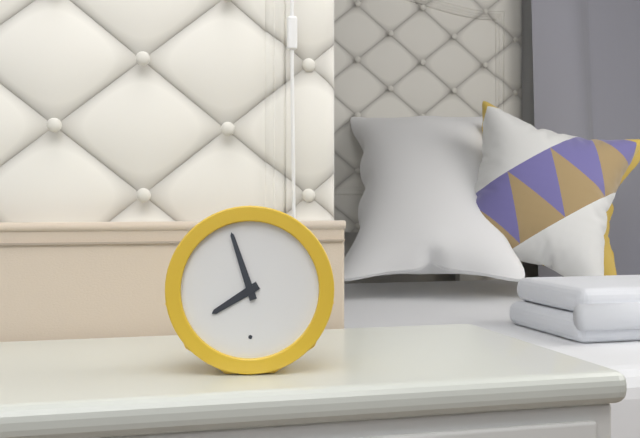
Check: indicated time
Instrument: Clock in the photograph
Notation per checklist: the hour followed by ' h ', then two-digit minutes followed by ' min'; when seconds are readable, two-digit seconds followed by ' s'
7 h 57 min
